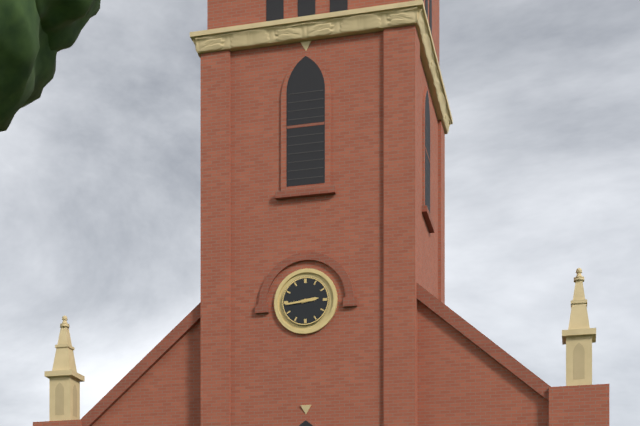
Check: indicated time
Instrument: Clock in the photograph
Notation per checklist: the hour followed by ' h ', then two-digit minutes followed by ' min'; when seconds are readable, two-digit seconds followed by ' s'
2 h 44 min
